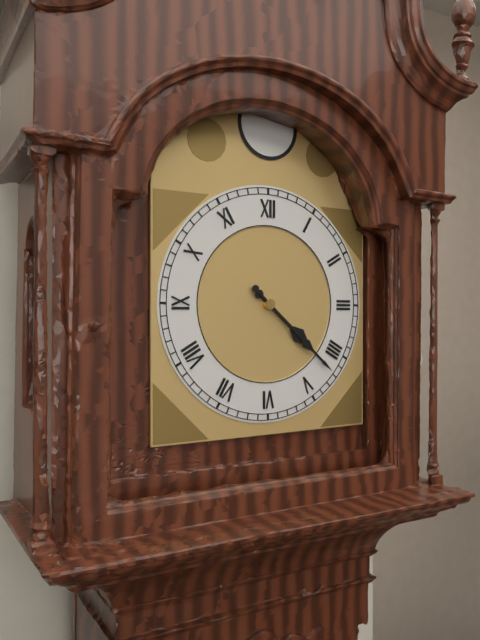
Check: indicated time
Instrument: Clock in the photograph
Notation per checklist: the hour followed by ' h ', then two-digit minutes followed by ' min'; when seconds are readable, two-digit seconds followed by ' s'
4 h 22 min
